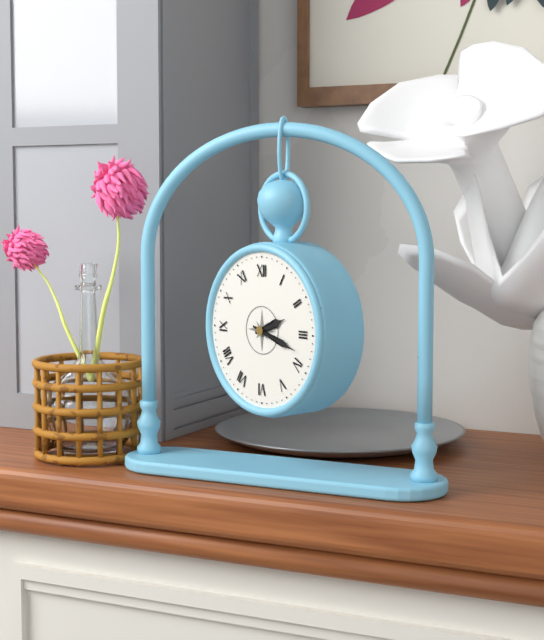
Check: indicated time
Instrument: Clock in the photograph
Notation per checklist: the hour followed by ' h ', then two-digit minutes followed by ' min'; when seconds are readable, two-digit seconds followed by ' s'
2 h 18 min
